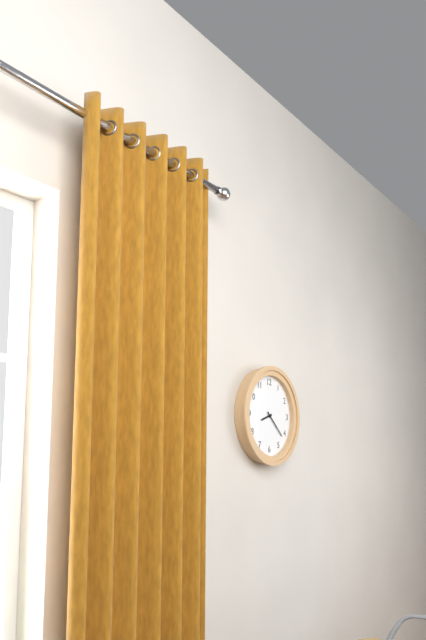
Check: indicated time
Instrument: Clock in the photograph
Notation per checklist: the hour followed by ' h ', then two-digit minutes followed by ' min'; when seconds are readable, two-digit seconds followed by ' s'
8 h 22 min
